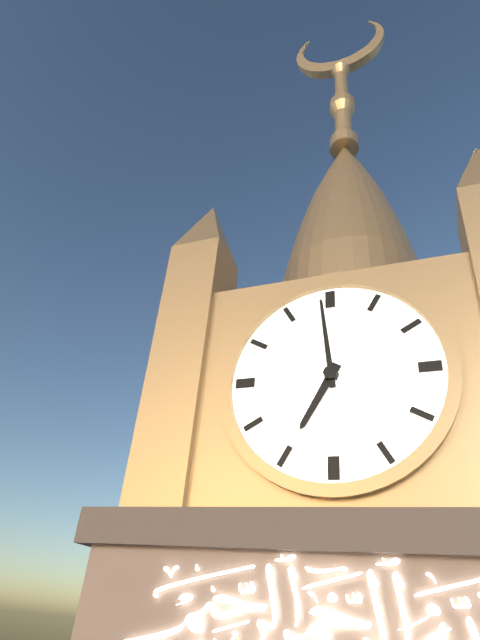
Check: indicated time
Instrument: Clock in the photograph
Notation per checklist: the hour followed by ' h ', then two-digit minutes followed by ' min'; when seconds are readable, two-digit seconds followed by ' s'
6 h 59 min
